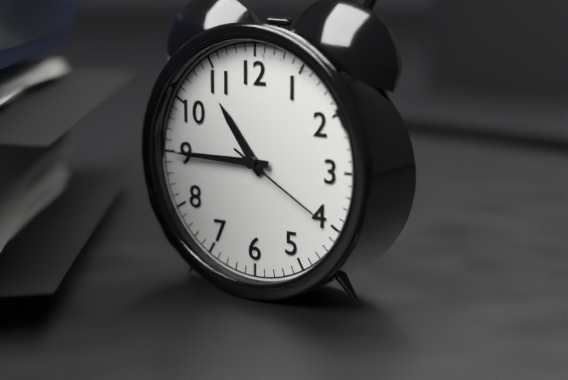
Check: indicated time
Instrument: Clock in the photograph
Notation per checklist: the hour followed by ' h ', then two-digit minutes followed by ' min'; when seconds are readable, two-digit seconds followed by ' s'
10 h 45 min 20 s
